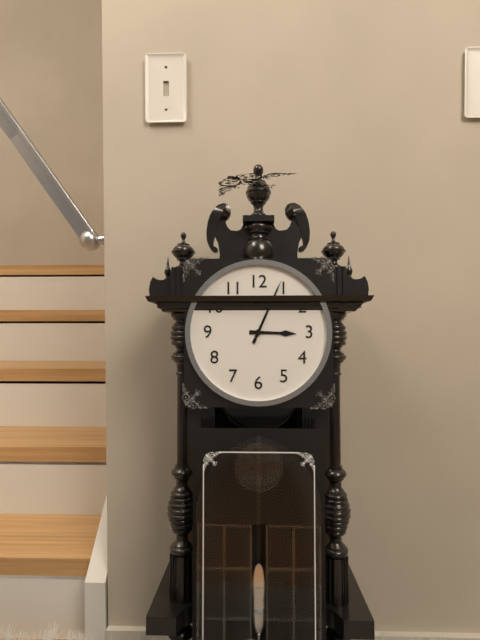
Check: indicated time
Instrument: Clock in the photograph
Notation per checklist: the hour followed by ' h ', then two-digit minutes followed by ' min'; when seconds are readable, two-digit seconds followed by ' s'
3 h 04 min
